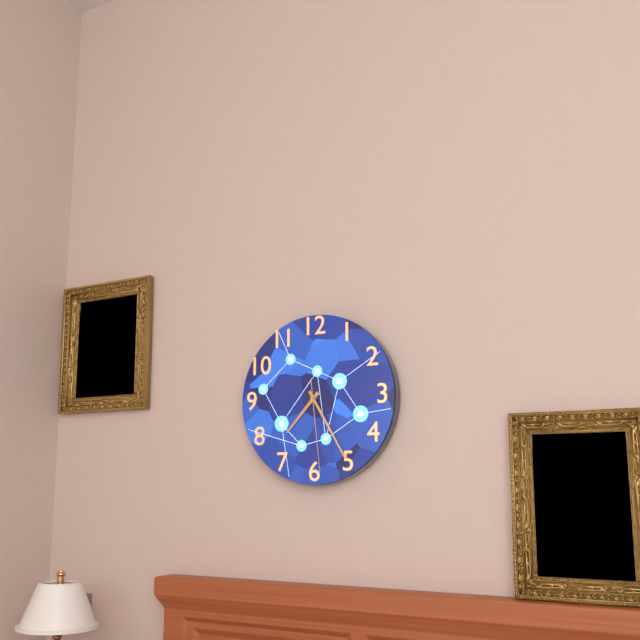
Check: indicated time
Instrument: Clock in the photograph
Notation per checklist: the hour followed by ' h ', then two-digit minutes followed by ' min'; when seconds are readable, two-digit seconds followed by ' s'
7 h 25 min 29 s
